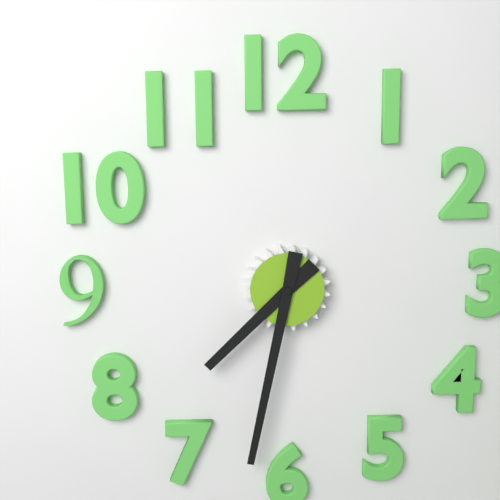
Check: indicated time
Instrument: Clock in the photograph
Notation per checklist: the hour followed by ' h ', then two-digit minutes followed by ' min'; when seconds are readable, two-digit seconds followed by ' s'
7 h 32 min
